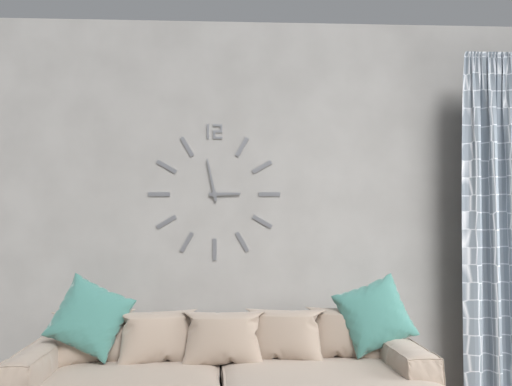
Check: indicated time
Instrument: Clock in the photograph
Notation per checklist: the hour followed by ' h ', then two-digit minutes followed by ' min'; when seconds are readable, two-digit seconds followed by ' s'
2 h 58 min
